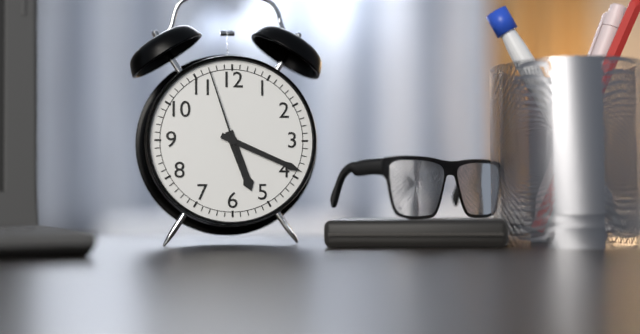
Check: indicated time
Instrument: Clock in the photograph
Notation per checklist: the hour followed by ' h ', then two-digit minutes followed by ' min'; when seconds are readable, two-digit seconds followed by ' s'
5 h 19 min 57 s
